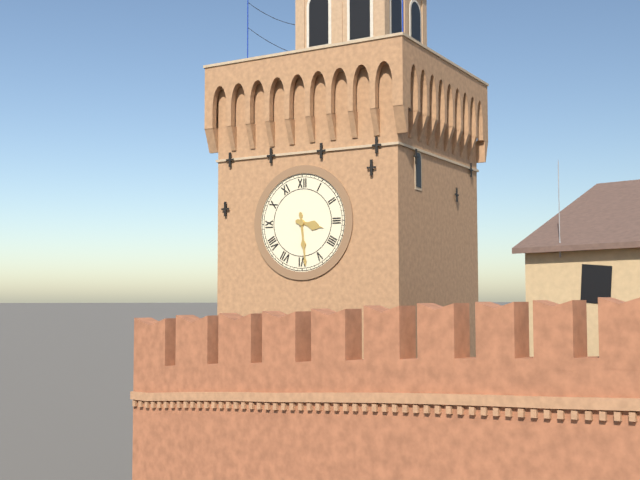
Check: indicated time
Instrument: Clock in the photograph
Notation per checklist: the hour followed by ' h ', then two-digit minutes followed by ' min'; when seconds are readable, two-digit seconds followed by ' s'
3 h 29 min
